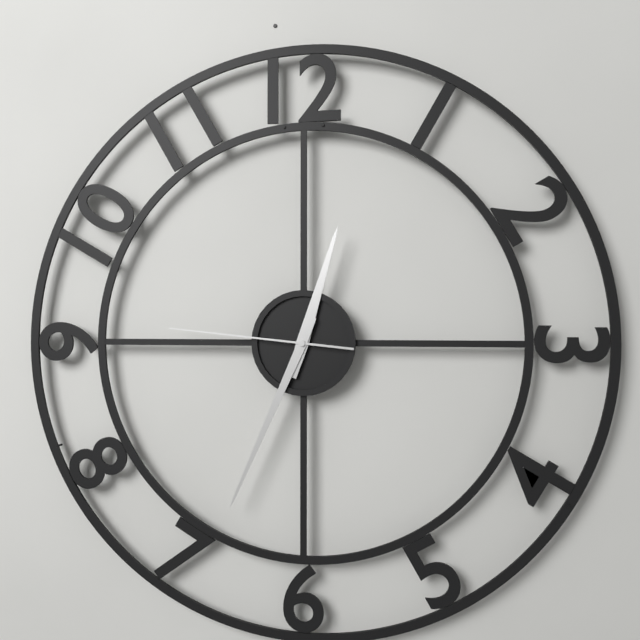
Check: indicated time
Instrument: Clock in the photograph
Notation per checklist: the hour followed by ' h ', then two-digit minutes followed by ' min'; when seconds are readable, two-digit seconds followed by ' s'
12 h 34 min 46 s
